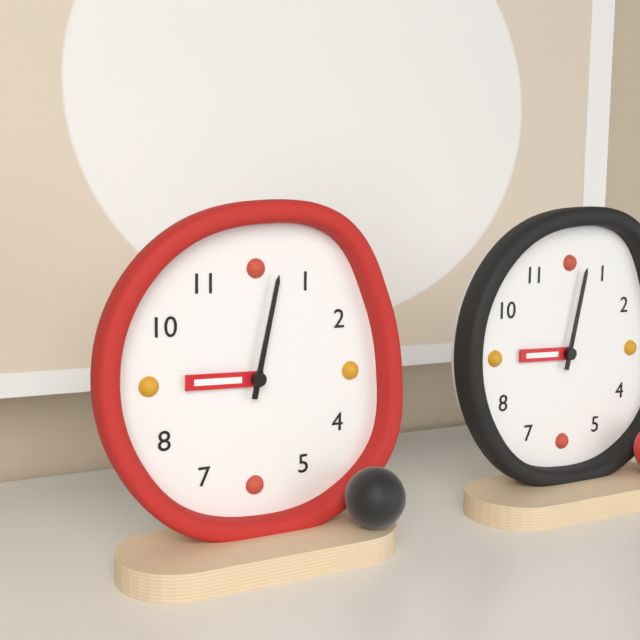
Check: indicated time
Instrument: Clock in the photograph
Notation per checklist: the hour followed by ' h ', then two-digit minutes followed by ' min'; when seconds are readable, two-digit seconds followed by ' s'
9 h 02 min
